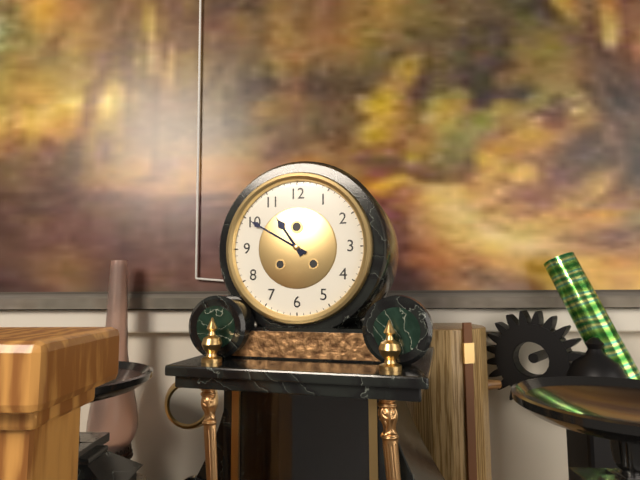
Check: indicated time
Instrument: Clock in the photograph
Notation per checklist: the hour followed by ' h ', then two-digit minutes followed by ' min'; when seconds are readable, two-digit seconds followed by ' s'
10 h 50 min
